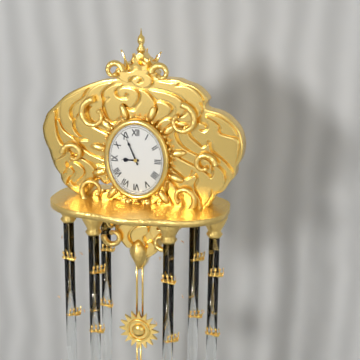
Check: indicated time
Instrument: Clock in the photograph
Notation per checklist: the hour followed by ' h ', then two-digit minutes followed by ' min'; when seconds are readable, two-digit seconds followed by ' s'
8 h 56 min
